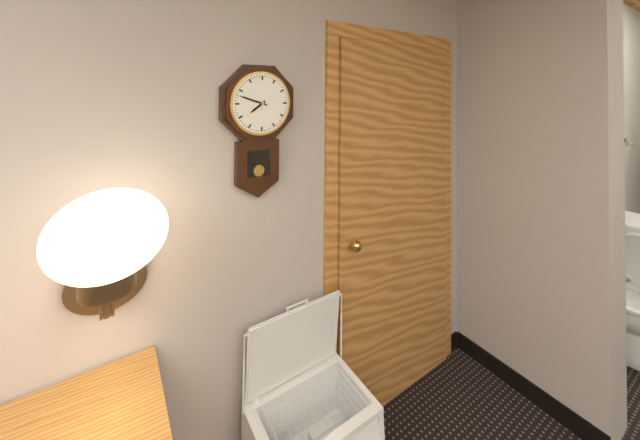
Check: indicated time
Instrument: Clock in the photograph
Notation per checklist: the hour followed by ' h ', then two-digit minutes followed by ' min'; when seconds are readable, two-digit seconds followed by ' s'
7 h 48 min
